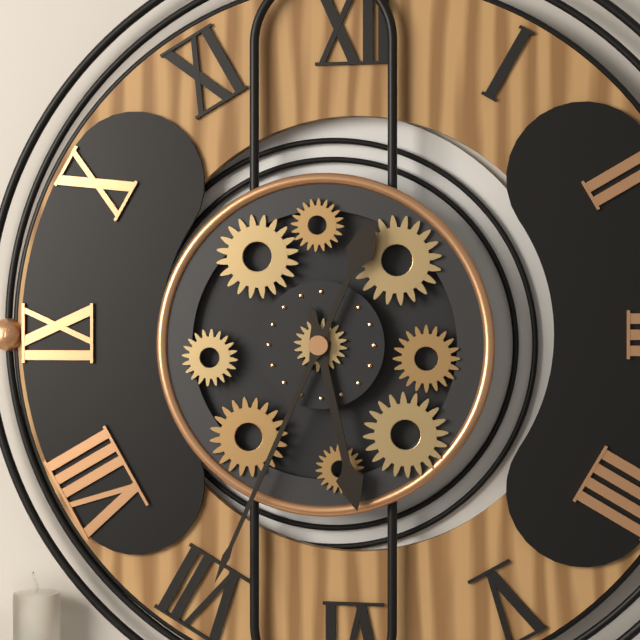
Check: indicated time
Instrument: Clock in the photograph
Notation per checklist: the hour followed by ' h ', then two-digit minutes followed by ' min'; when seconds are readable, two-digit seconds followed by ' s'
5 h 34 min
